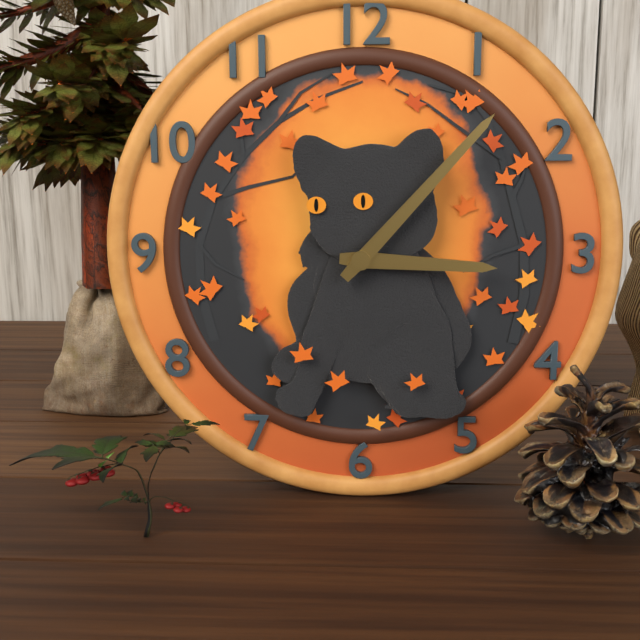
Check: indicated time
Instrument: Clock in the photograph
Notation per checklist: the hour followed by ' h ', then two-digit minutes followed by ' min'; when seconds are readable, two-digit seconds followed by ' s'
3 h 07 min
